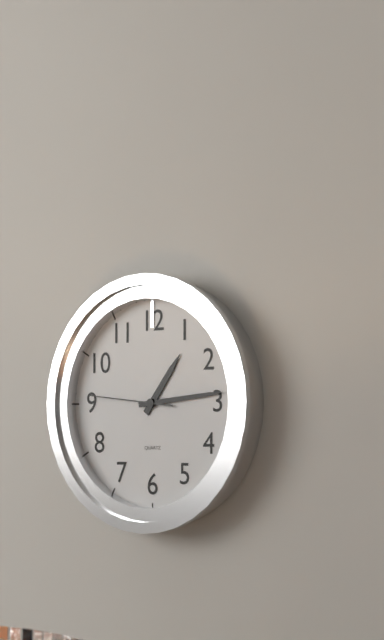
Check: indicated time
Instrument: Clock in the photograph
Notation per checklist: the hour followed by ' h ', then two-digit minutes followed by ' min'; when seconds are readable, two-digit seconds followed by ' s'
1 h 14 min 46 s
